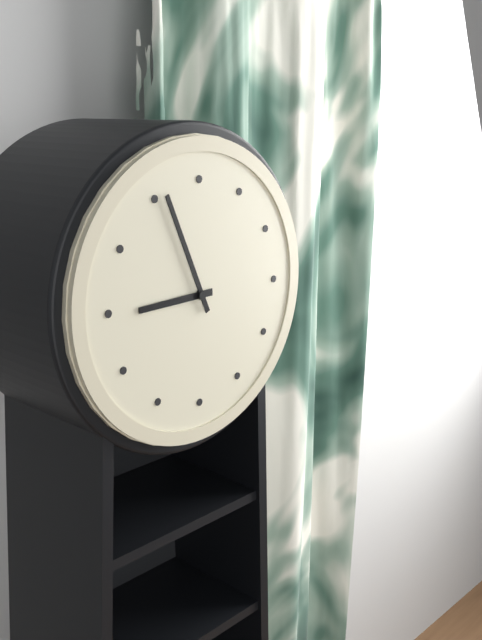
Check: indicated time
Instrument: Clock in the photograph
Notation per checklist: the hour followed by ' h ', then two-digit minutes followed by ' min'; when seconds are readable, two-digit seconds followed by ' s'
8 h 56 min
